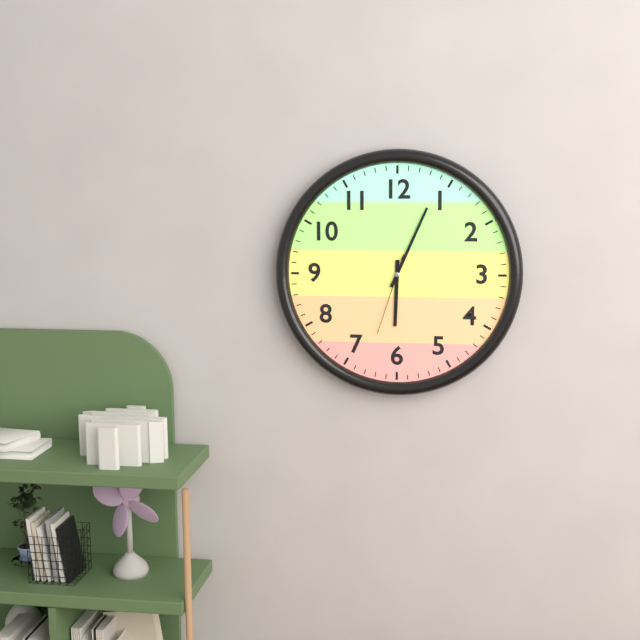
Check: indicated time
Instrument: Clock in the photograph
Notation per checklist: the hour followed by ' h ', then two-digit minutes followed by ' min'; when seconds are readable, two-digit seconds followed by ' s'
6 h 04 min 33 s
